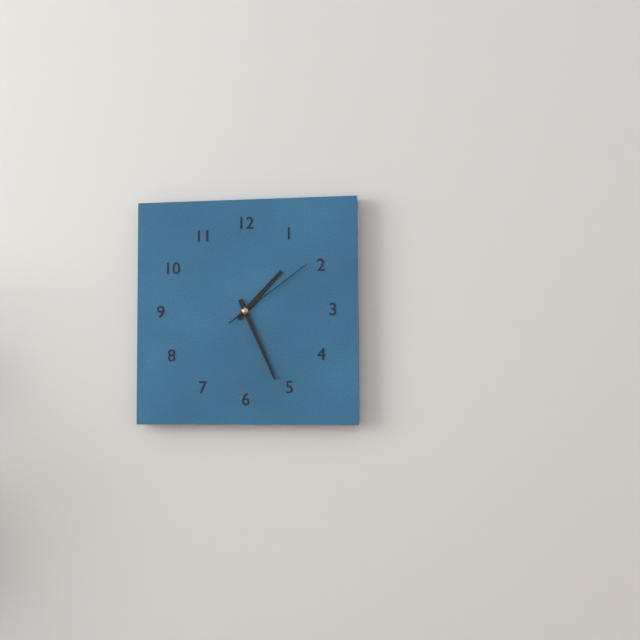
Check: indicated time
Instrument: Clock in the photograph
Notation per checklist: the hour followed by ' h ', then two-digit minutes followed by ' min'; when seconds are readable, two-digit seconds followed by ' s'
1 h 26 min 09 s
